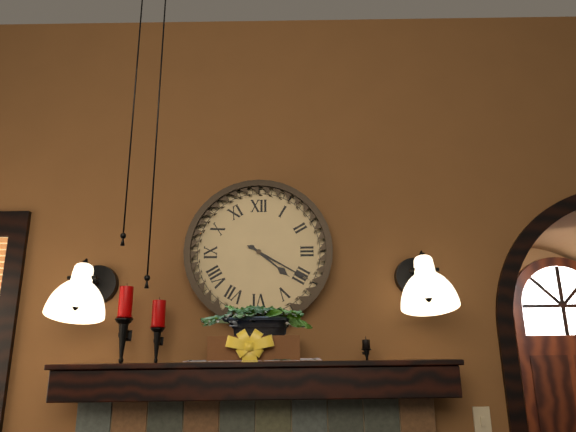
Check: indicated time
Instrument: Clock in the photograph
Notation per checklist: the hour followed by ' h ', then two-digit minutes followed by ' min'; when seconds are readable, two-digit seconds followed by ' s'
4 h 20 min
